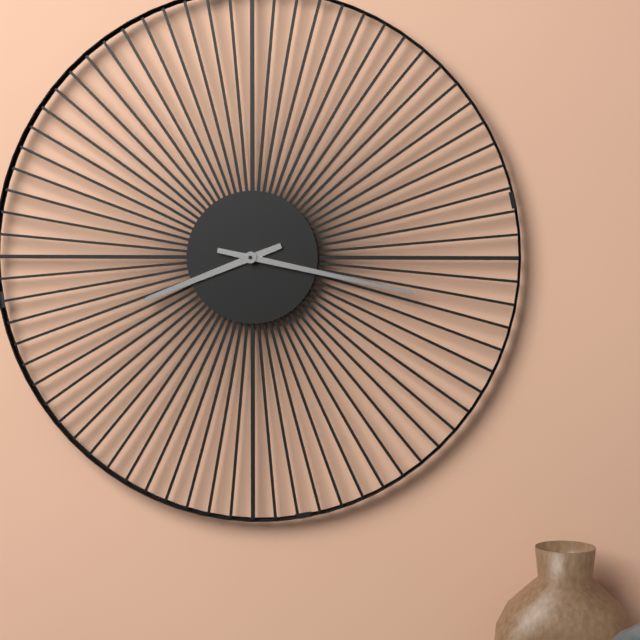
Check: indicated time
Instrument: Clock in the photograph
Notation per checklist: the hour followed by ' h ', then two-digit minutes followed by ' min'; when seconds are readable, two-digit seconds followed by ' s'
8 h 17 min
